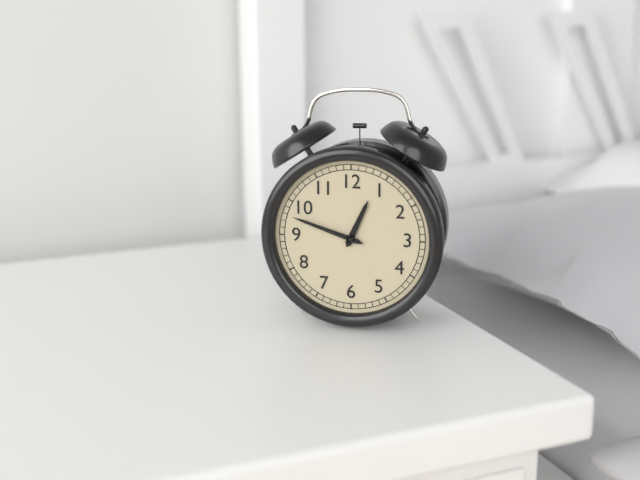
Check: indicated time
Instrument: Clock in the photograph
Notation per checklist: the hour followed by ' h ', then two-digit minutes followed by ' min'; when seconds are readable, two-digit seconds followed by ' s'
12 h 48 min
